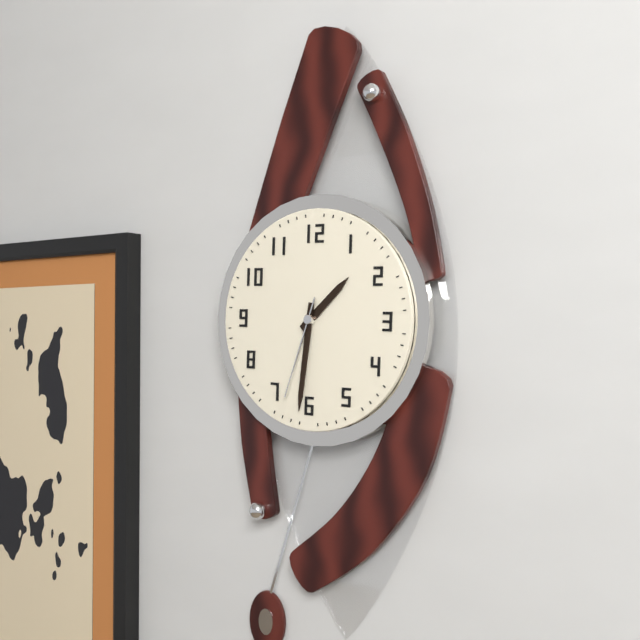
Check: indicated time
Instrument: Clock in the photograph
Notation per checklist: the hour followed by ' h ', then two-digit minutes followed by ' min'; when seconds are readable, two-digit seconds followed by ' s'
1 h 31 min 33 s
